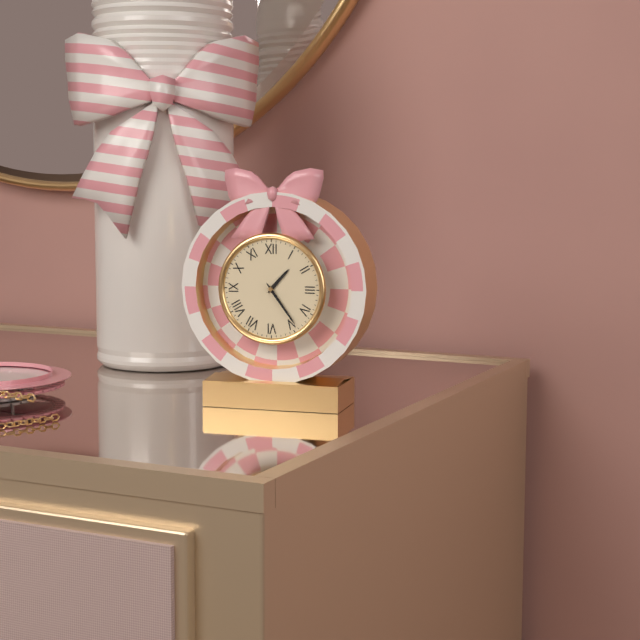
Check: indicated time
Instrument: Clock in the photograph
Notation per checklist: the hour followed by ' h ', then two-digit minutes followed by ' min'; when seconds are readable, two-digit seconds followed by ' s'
1 h 24 min
